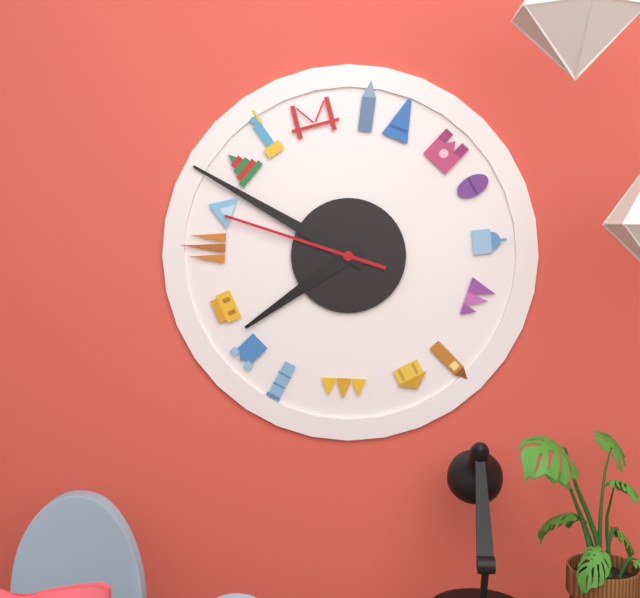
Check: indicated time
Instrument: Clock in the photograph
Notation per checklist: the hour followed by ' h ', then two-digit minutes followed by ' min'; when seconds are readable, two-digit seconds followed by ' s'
7 h 50 min 48 s
